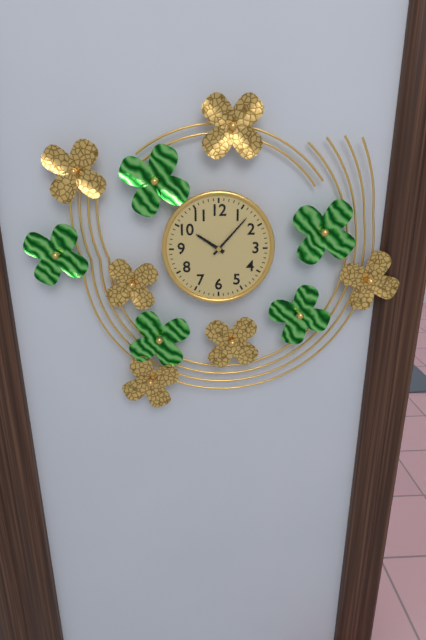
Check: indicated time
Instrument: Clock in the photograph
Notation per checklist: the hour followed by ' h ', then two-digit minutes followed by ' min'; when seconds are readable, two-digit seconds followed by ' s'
10 h 07 min
